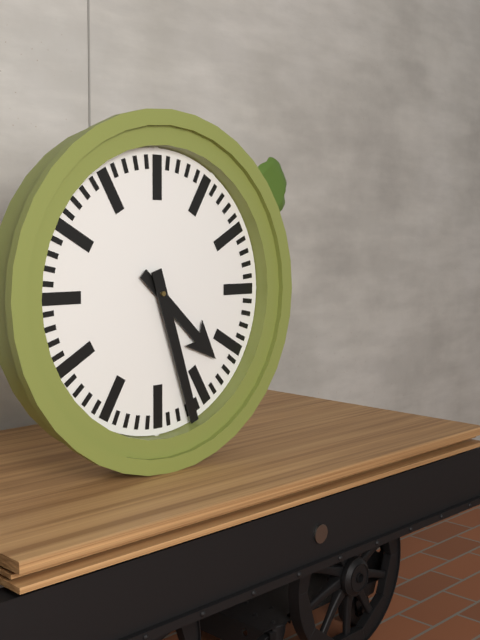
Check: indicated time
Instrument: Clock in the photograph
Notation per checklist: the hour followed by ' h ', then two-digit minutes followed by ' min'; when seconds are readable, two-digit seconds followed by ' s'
4 h 27 min
